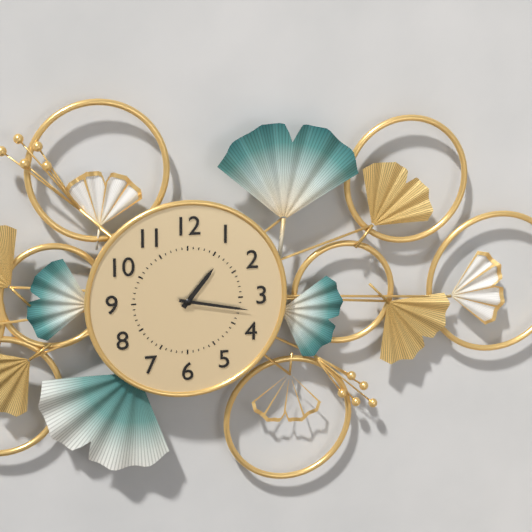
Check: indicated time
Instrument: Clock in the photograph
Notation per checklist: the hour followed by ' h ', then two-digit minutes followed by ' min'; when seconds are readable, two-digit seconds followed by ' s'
1 h 17 min
